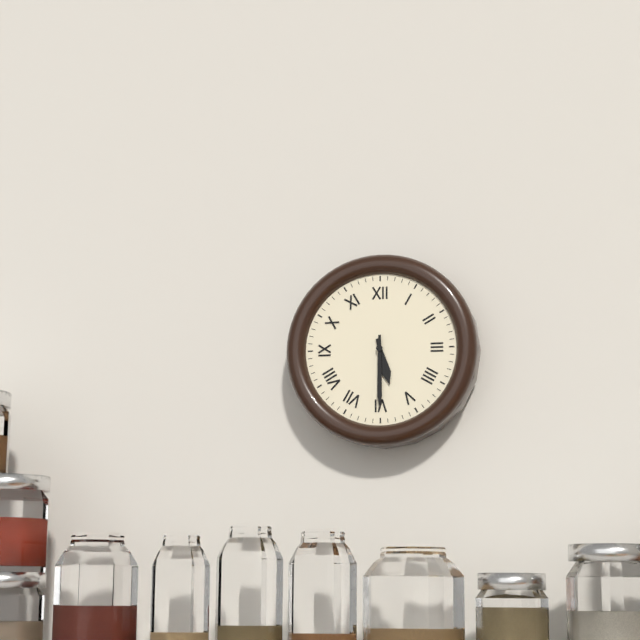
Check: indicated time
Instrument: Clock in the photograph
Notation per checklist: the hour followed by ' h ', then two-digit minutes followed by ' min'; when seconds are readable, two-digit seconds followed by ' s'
5 h 30 min
